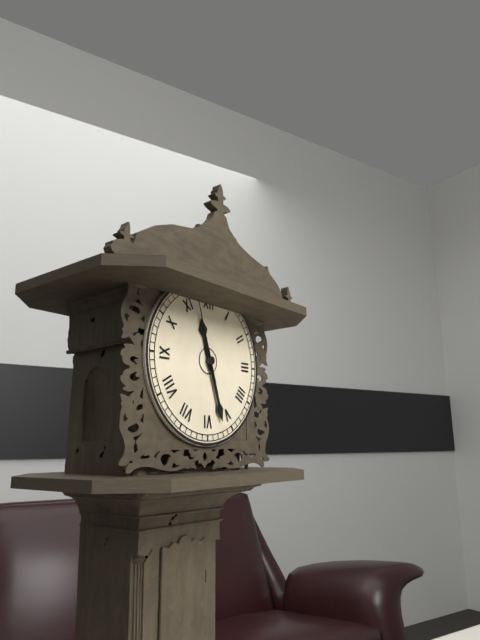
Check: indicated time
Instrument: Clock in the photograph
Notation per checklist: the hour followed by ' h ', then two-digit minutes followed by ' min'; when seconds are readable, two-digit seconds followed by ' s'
11 h 27 min 57 s
